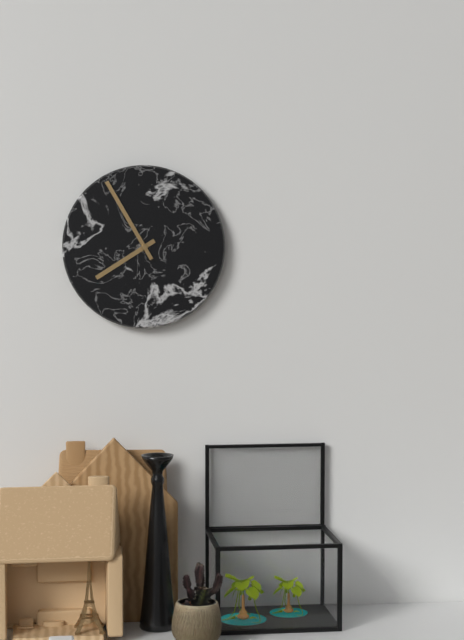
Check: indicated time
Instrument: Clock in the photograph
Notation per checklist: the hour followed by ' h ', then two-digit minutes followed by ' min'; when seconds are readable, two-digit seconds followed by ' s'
7 h 55 min
